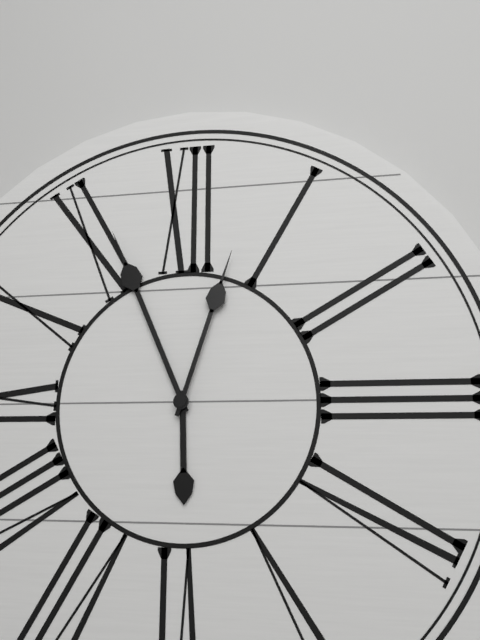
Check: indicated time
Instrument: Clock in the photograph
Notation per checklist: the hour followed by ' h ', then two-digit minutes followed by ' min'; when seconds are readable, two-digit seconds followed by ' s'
5 h 56 min 03 s
